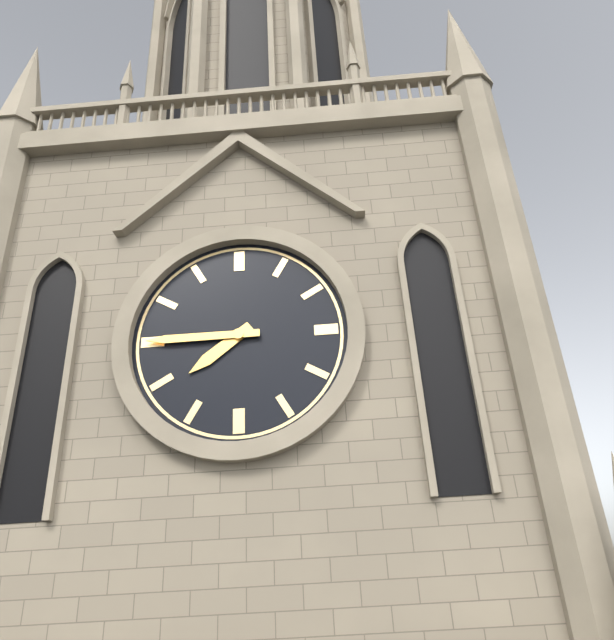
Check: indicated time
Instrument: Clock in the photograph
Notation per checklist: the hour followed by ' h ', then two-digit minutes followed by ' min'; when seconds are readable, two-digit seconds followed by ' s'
7 h 45 min
